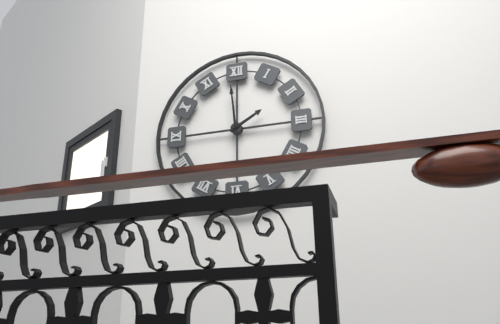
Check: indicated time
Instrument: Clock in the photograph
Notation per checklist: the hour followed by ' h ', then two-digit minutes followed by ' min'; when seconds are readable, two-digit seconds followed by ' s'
1 h 59 min
